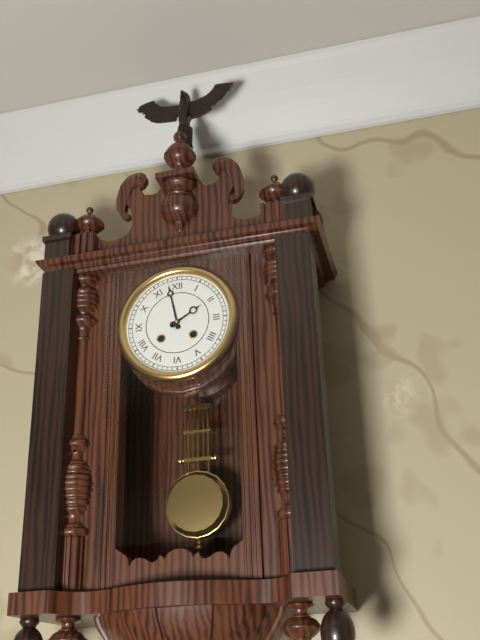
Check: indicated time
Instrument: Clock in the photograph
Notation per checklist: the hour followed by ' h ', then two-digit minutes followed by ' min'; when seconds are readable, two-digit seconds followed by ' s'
1 h 58 min
